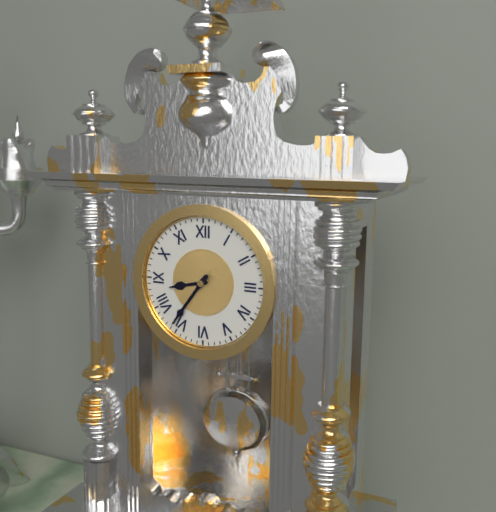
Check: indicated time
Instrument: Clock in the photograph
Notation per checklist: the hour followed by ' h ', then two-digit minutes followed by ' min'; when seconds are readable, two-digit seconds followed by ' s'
8 h 36 min
